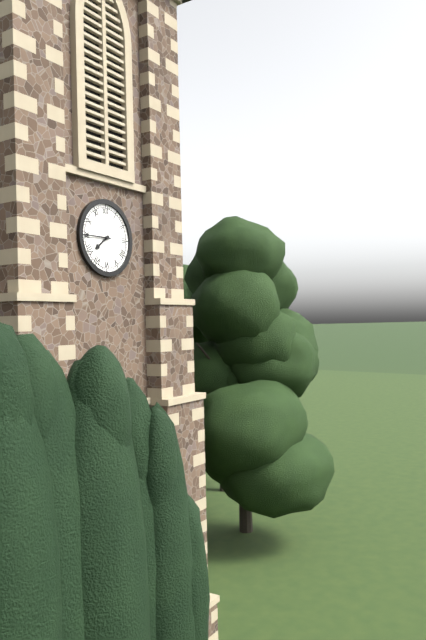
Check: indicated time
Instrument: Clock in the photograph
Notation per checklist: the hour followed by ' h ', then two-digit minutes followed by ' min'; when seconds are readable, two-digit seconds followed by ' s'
7 h 45 min
